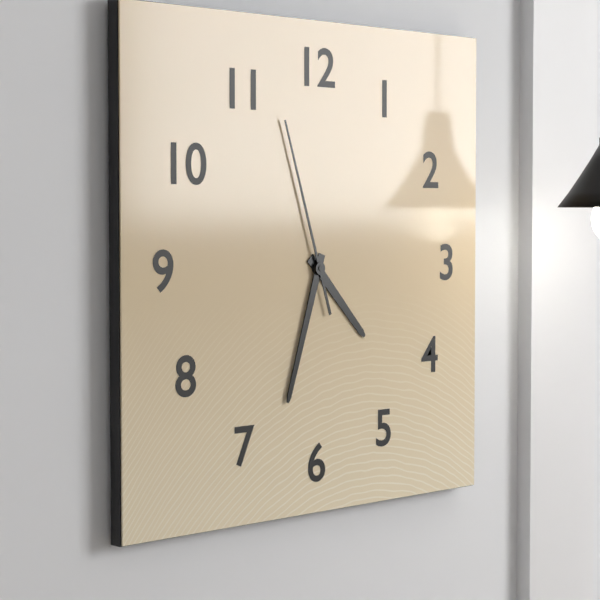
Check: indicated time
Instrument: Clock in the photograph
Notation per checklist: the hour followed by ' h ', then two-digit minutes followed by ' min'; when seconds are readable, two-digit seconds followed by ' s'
4 h 33 min 57 s
